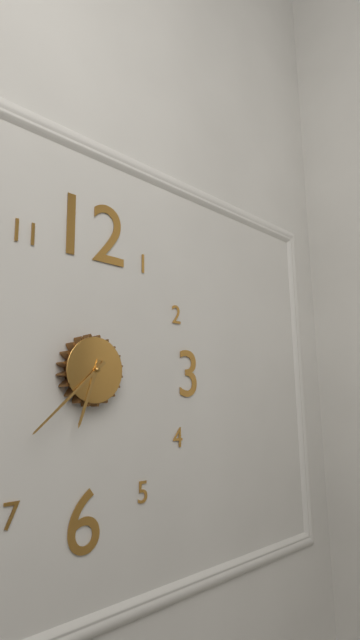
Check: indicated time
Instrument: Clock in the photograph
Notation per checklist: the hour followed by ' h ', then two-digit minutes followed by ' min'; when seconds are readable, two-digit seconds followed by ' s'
6 h 38 min
